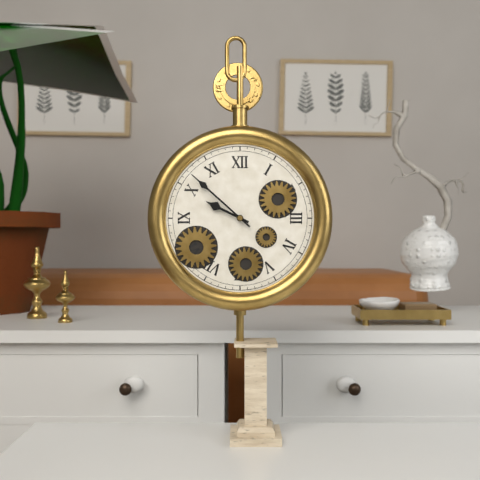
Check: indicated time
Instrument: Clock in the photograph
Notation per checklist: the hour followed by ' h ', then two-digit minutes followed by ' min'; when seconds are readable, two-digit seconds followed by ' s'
9 h 52 min
